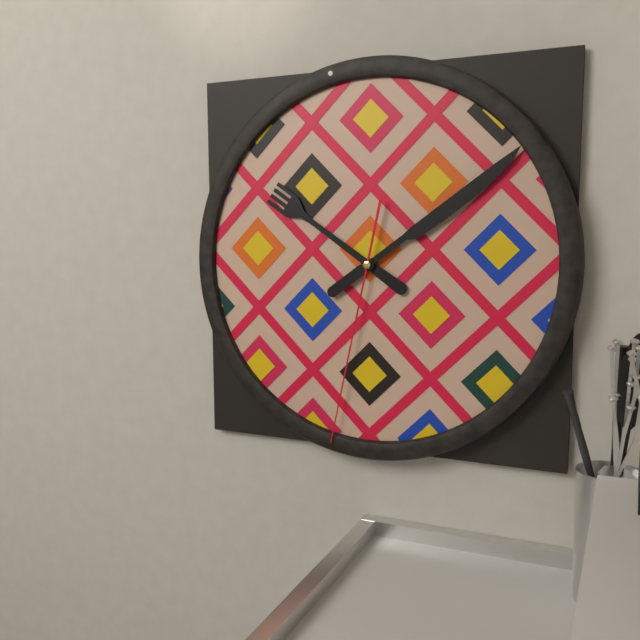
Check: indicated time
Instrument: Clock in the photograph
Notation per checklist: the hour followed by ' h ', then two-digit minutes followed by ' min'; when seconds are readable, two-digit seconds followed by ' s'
10 h 09 min 32 s
